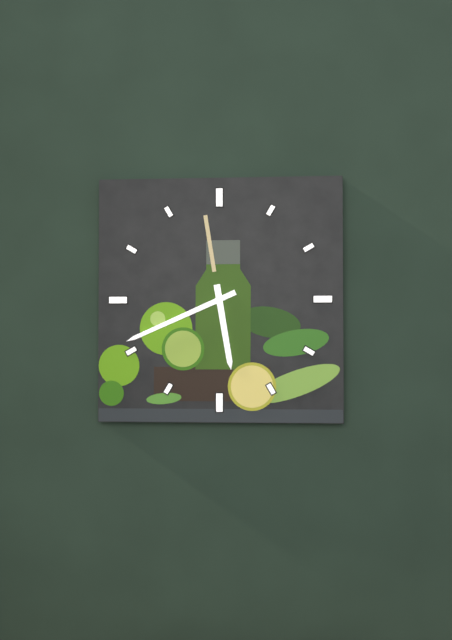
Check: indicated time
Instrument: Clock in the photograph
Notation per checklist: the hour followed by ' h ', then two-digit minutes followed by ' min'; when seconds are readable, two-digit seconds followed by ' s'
5 h 41 min
